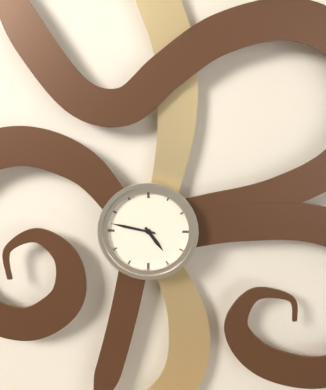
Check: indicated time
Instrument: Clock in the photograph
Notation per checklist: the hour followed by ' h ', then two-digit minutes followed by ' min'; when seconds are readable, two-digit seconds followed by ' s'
4 h 47 min
